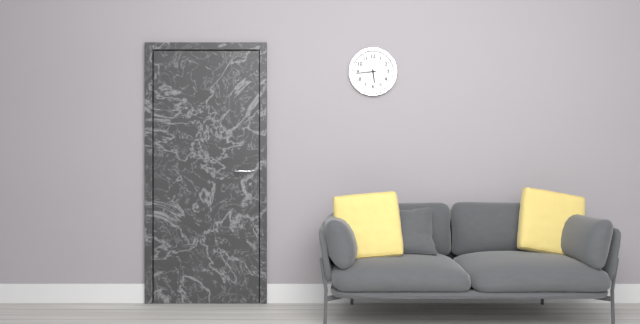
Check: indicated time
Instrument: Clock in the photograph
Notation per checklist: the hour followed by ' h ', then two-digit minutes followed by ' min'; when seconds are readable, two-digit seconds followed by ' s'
5 h 44 min
